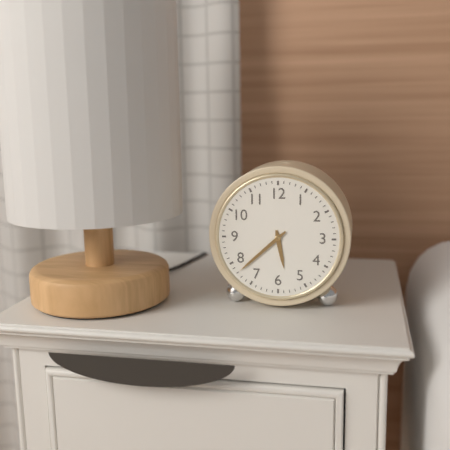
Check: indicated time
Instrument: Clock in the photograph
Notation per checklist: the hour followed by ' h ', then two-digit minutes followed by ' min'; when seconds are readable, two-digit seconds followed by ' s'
5 h 38 min
